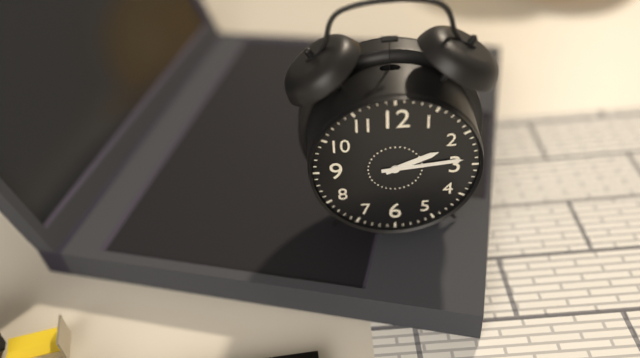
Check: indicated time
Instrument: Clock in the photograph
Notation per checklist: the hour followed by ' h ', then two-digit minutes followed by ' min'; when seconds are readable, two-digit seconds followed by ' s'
2 h 14 min
